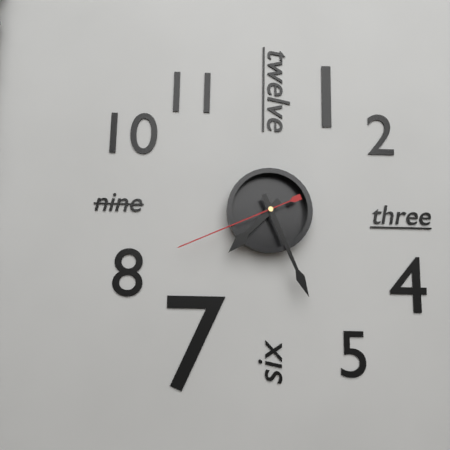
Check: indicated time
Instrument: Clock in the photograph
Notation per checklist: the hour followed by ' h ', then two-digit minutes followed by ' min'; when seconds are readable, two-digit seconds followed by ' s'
7 h 26 min 41 s
